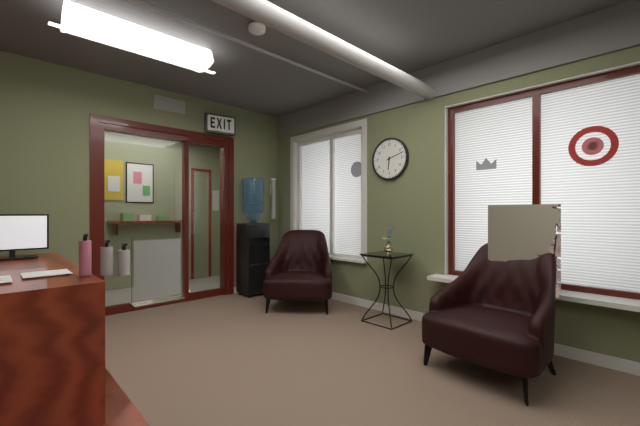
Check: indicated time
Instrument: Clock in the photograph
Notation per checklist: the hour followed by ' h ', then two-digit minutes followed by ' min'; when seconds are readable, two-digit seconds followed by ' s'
6 h 12 min
